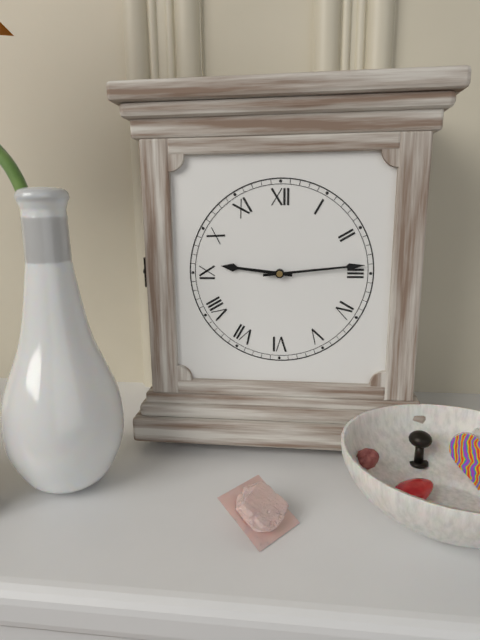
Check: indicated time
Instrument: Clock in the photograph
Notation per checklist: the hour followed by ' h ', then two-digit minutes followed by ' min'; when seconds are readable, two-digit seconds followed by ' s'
9 h 14 min
